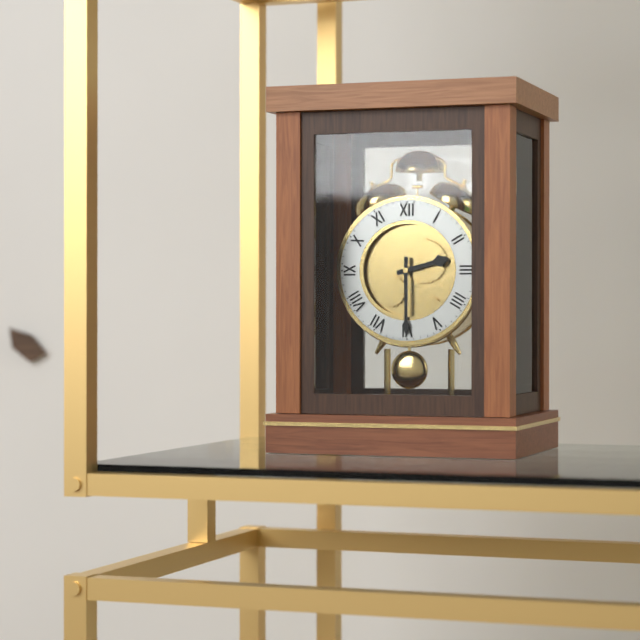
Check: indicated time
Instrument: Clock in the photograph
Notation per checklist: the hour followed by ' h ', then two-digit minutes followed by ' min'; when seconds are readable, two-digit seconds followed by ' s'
2 h 30 min
